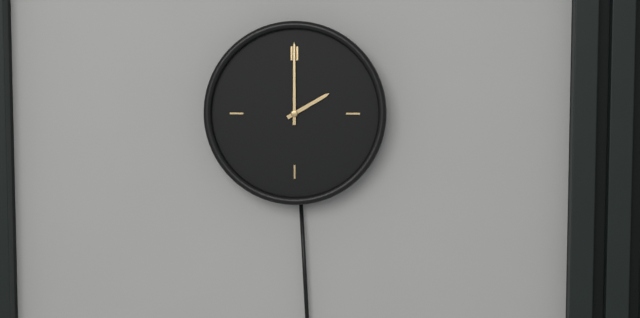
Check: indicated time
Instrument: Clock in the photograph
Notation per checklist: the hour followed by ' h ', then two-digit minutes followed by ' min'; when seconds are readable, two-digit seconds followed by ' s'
2 h 00 min
